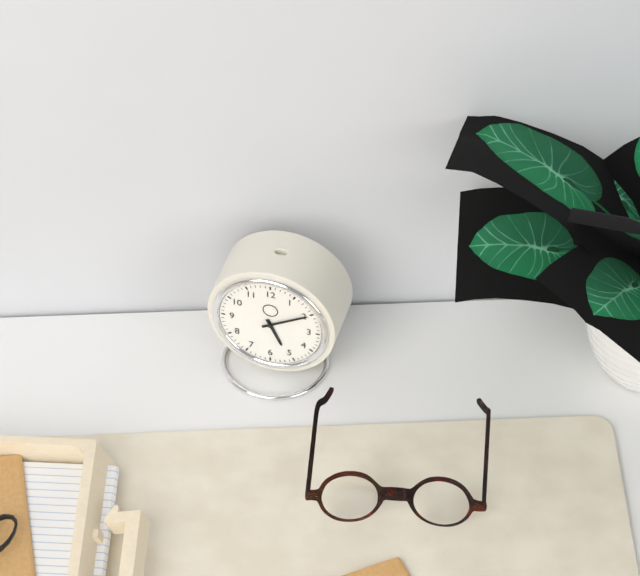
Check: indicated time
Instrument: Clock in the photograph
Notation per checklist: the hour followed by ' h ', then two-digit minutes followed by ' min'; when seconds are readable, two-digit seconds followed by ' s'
5 h 10 min
